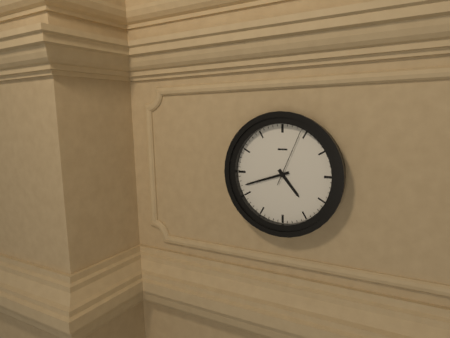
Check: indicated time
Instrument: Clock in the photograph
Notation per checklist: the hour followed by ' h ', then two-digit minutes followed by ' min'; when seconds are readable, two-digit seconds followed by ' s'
4 h 42 min 04 s
